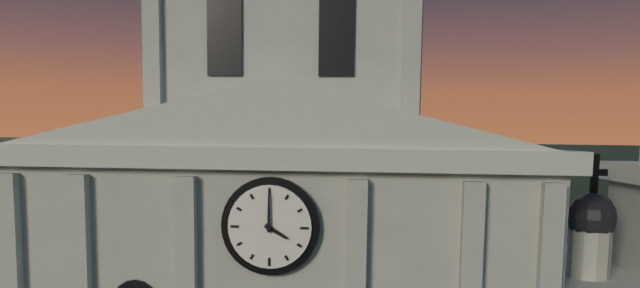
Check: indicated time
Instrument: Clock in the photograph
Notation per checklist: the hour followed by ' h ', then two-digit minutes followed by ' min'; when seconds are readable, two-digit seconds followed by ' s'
4 h 00 min
